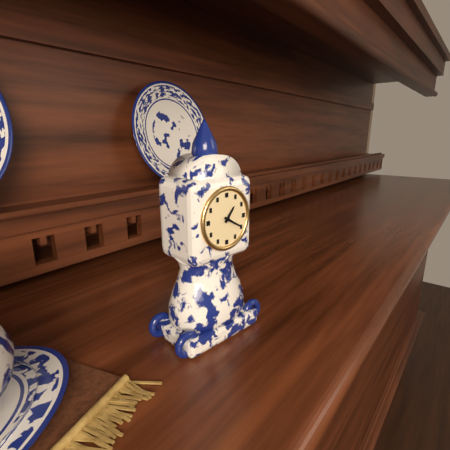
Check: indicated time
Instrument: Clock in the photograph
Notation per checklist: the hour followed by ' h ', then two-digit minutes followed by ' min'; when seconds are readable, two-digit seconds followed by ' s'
1 h 20 min
